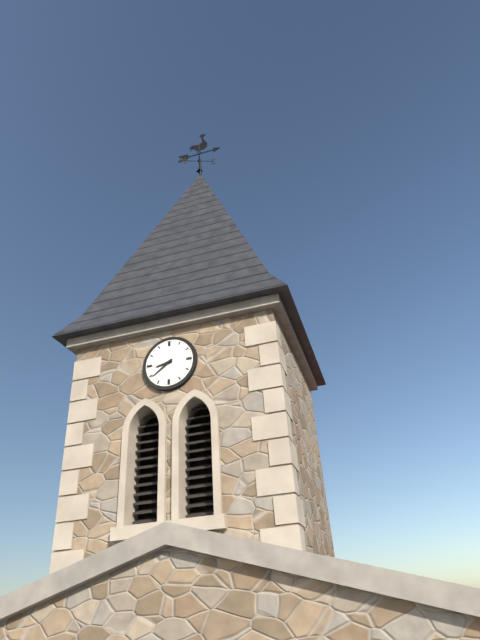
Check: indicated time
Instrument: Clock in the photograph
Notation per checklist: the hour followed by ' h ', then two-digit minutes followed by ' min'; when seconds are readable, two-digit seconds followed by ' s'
8 h 39 min
